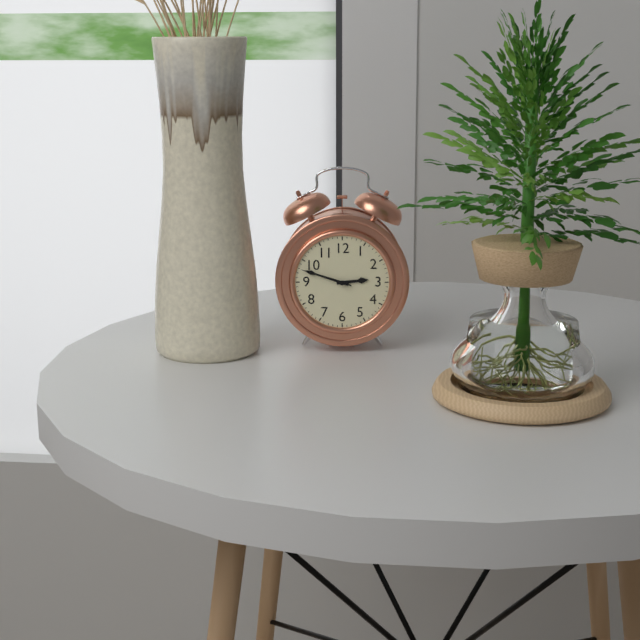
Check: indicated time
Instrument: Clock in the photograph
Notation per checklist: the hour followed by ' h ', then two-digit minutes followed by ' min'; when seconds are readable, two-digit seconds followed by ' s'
2 h 48 min 48 s
